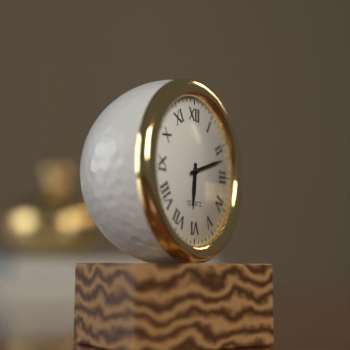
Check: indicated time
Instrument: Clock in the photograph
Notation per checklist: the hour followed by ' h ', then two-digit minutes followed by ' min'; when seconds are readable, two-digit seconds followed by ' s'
6 h 12 min
